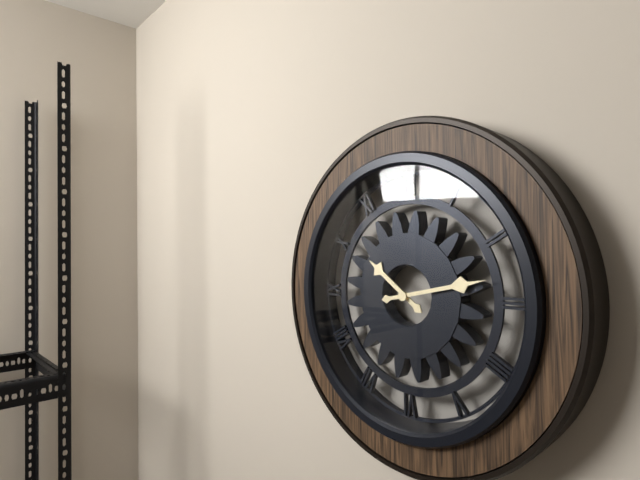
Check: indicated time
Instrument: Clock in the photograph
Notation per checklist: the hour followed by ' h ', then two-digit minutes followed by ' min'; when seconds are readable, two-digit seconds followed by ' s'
10 h 13 min
